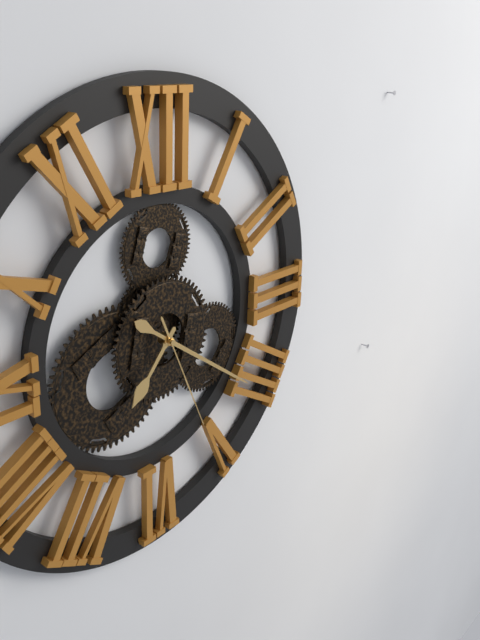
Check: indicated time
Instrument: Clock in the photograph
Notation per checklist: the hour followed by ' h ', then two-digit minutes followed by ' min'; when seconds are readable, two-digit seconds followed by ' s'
7 h 21 min 26 s
